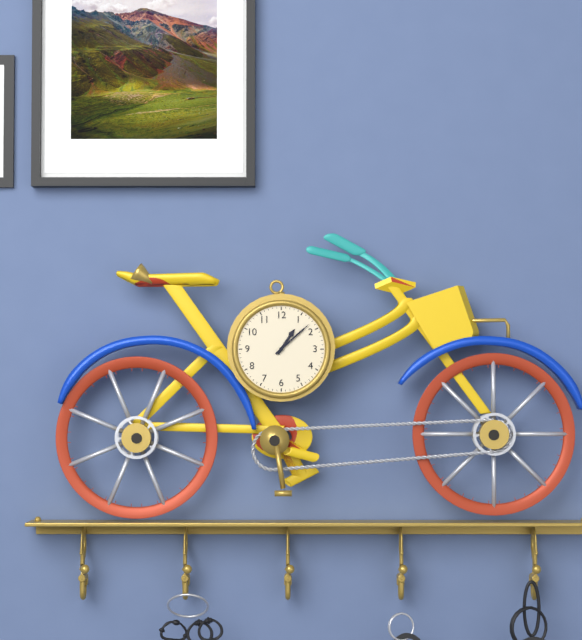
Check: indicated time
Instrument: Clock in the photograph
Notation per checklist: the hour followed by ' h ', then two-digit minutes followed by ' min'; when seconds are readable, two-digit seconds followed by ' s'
1 h 08 min
